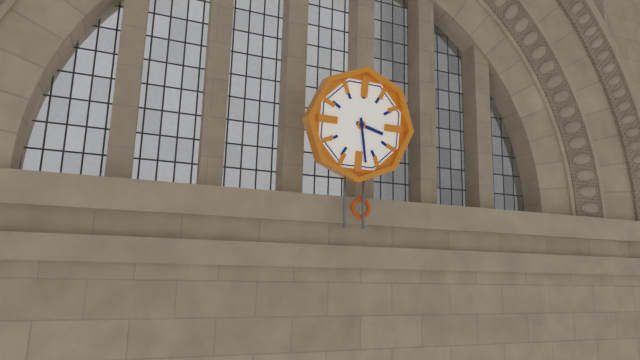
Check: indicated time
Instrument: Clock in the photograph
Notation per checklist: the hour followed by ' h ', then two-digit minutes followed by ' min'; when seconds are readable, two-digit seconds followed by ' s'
3 h 28 min
